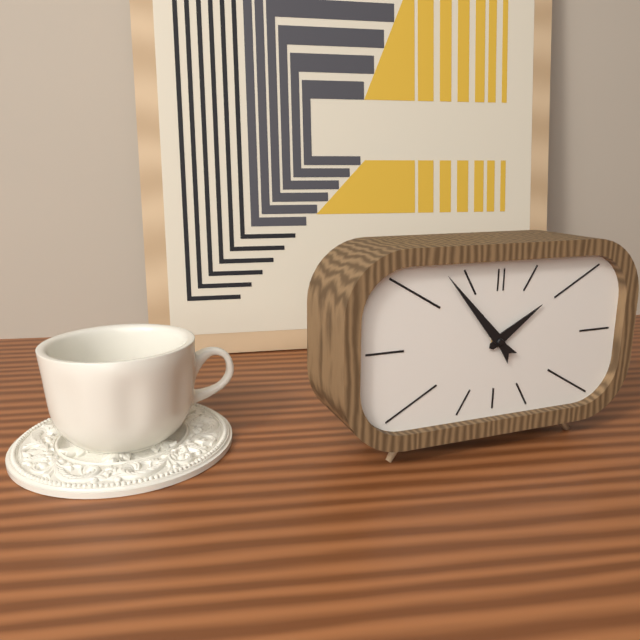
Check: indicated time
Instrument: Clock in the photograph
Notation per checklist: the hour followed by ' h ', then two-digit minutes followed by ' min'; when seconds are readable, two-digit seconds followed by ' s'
1 h 53 min
